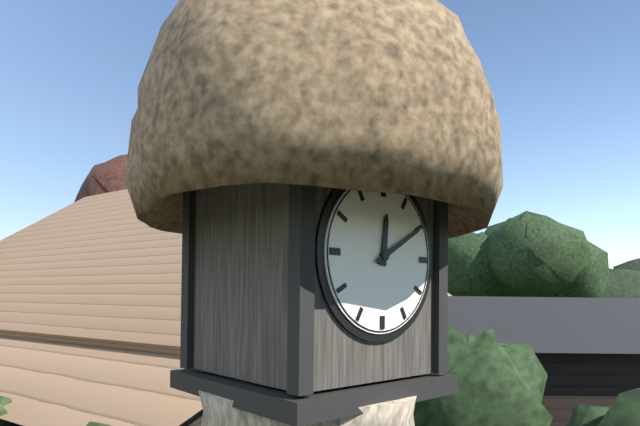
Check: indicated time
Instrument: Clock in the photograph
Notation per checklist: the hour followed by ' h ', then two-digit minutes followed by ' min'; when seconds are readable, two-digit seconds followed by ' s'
12 h 10 min
